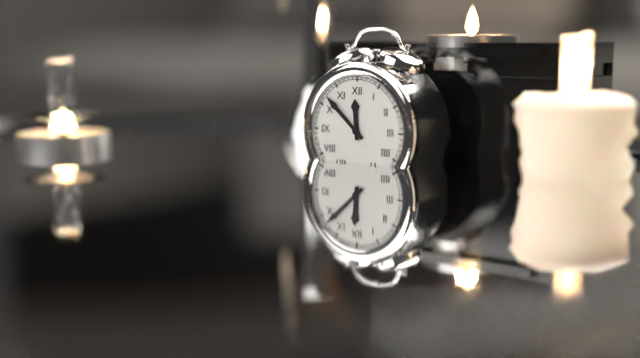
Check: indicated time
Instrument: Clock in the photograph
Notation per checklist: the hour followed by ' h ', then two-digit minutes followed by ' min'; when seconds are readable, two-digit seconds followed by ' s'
11 h 52 min
